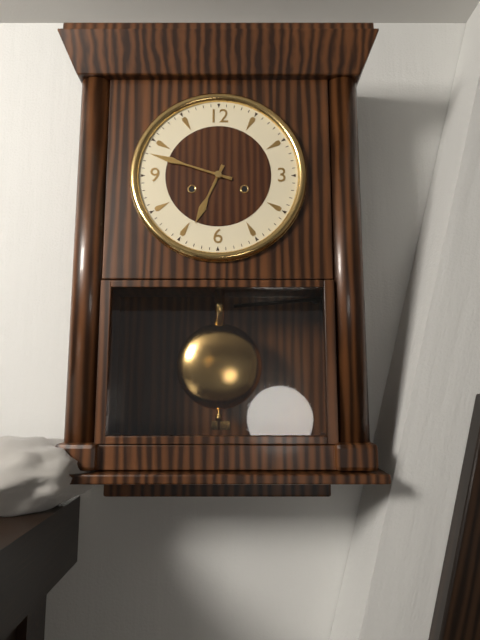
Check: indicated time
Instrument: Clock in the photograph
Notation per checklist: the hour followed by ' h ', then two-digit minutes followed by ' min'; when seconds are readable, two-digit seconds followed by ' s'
6 h 48 min
